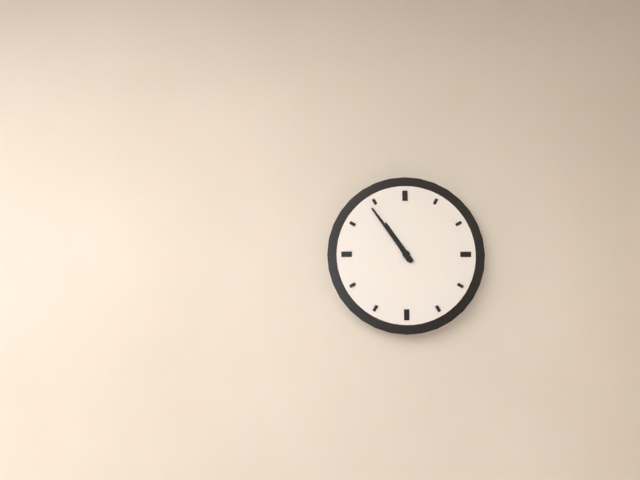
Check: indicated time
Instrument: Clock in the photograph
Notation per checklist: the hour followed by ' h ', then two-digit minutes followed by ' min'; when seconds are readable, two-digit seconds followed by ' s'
10 h 54 min
